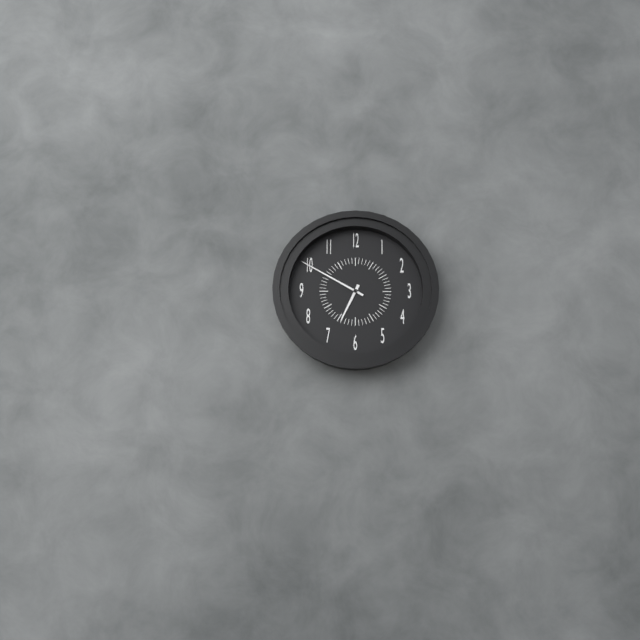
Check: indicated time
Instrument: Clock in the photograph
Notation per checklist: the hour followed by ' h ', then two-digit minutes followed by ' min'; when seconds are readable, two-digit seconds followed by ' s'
6 h 50 min
